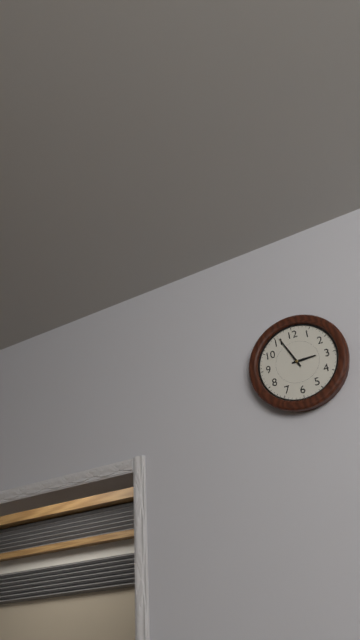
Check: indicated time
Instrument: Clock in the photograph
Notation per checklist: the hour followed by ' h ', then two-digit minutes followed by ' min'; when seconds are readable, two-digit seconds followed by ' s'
2 h 56 min
